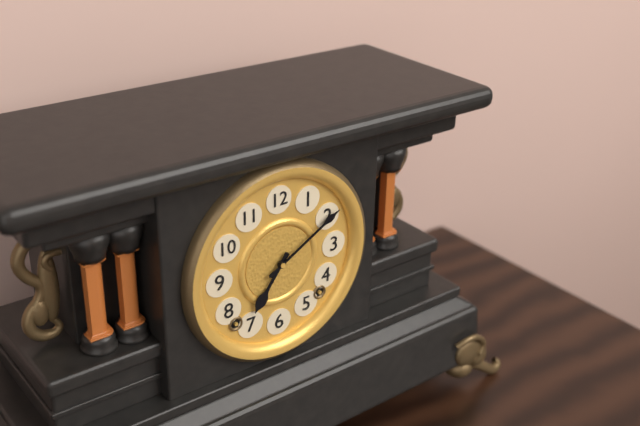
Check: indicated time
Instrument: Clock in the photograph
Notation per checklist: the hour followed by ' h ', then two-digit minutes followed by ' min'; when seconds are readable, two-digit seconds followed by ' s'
7 h 10 min
